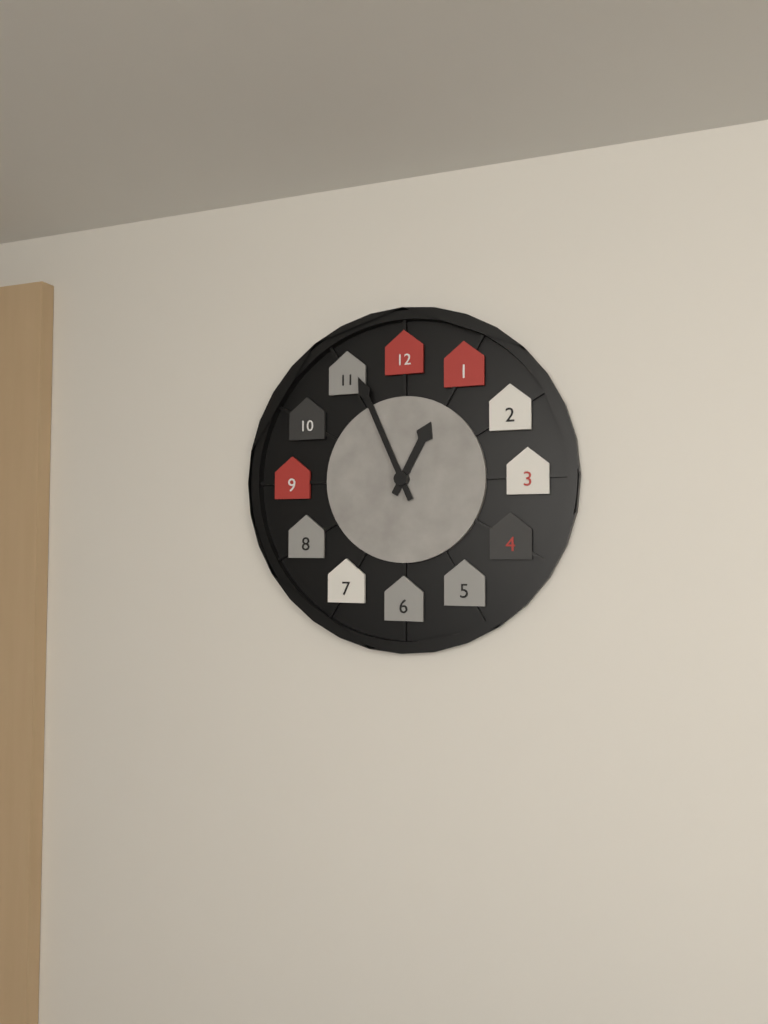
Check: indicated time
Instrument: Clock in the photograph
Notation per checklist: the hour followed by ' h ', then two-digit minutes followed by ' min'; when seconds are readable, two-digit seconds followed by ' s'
12 h 56 min
